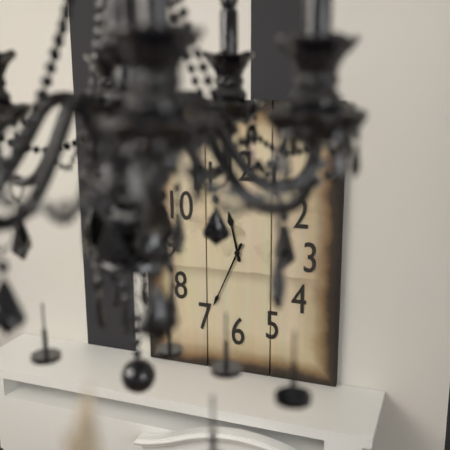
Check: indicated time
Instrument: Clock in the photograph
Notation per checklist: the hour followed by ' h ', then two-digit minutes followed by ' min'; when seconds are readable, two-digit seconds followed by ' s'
11 h 34 min
